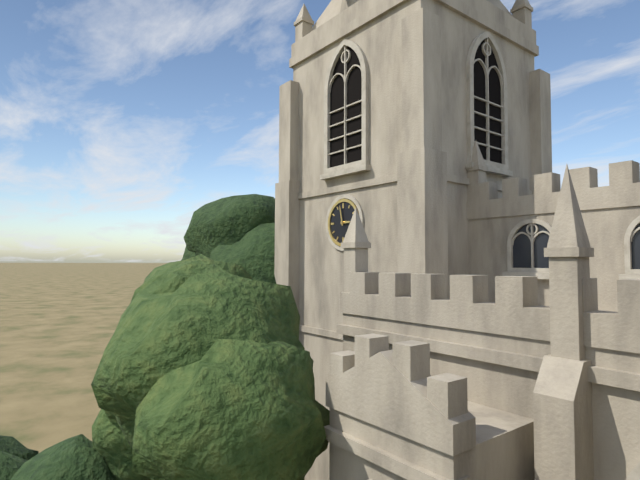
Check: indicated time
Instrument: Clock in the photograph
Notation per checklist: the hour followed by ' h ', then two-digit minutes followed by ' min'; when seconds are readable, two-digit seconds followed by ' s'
2 h 58 min
